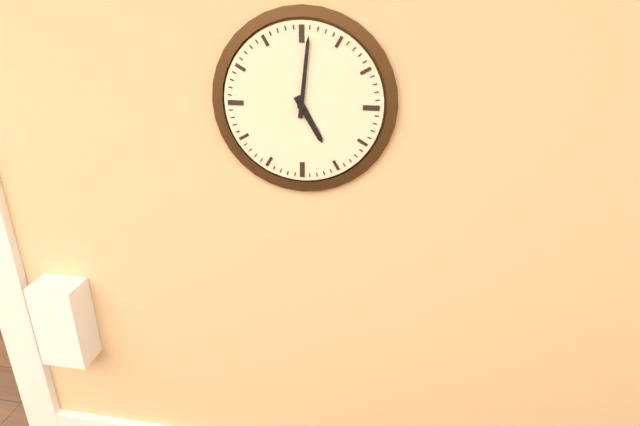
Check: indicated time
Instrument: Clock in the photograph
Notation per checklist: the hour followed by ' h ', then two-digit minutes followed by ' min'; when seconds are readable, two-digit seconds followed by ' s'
5 h 01 min
